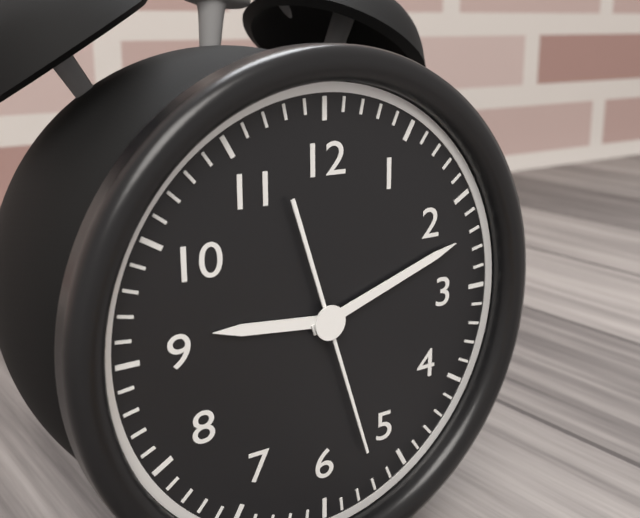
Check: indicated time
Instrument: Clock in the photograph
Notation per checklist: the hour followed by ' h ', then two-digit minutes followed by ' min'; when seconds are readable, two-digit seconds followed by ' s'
9 h 12 min 27 s
